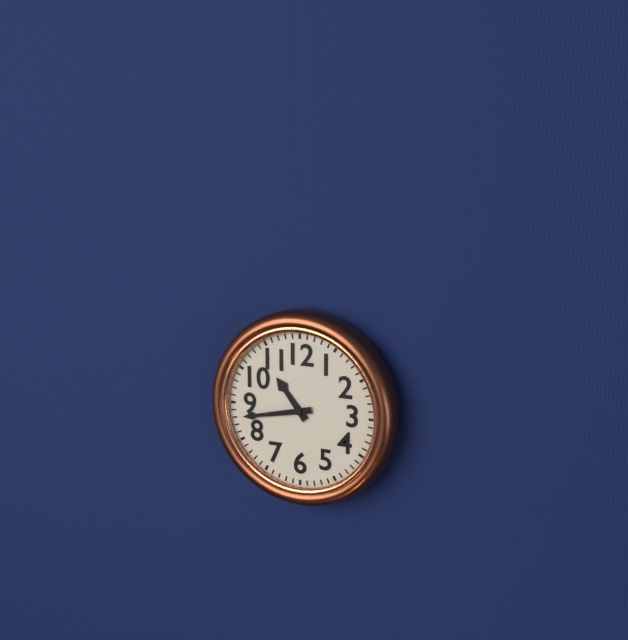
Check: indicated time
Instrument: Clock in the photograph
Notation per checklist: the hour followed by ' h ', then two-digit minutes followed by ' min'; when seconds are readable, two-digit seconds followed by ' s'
10 h 43 min
